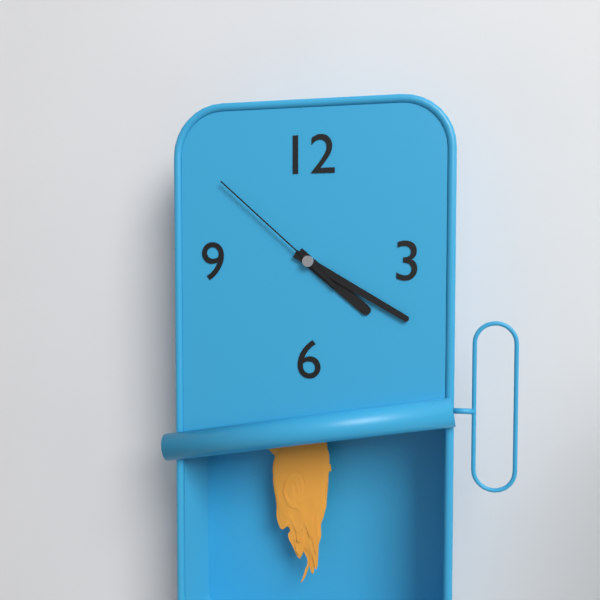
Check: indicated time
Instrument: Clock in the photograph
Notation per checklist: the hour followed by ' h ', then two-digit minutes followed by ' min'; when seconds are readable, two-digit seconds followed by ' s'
4 h 20 min 52 s
